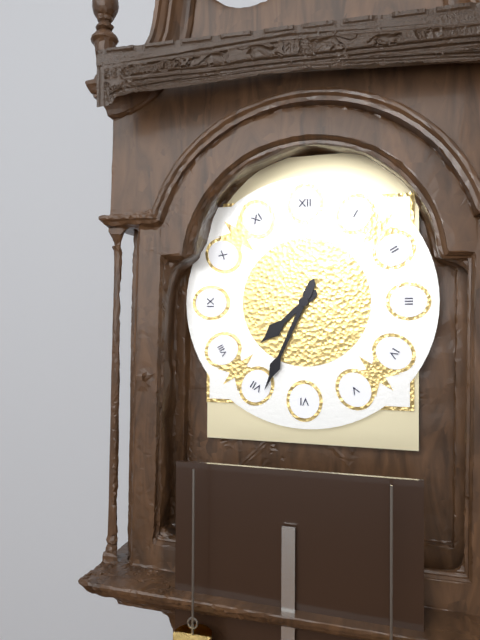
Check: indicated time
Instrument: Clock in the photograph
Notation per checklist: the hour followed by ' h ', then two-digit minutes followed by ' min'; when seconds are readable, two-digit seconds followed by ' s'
7 h 34 min
